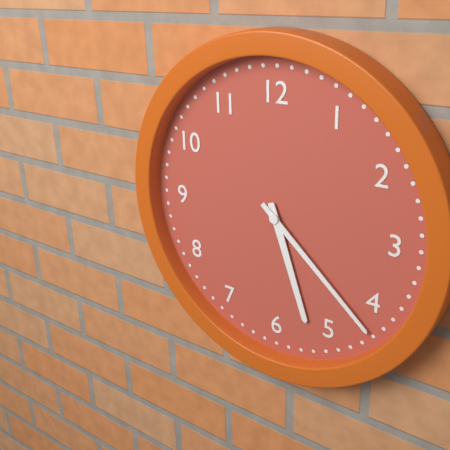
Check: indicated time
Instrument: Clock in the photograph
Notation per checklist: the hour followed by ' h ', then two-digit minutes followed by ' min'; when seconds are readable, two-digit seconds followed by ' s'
5 h 22 min
